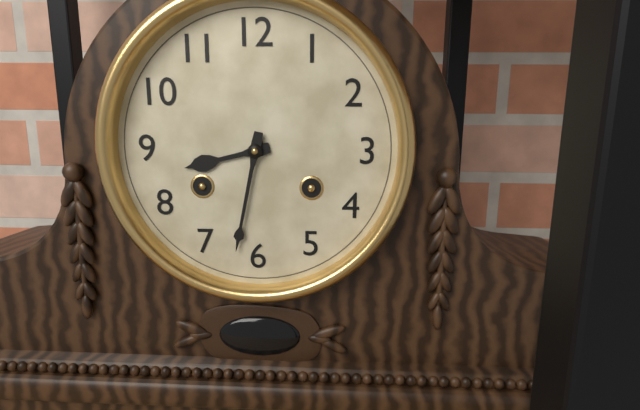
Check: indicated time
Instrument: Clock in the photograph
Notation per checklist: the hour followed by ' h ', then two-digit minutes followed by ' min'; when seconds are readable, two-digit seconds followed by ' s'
8 h 32 min
